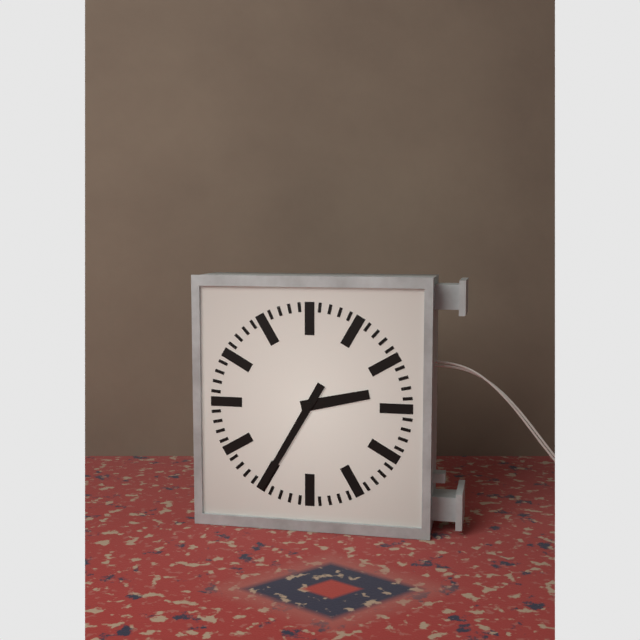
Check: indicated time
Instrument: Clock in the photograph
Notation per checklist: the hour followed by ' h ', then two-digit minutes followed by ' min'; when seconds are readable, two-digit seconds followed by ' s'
2 h 35 min
